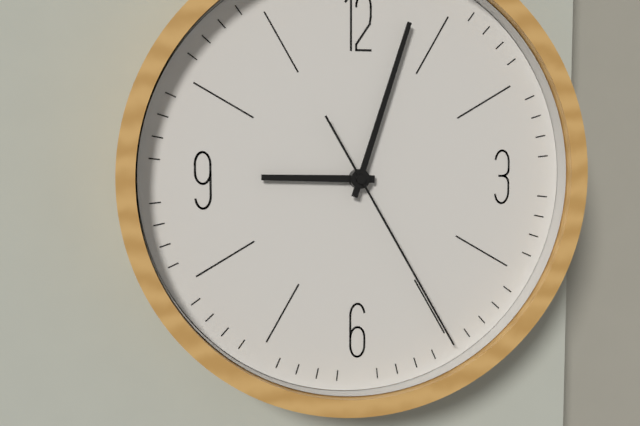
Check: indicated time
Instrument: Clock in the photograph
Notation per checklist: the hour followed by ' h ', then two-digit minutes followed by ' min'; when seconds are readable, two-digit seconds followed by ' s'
9 h 03 min 25 s
